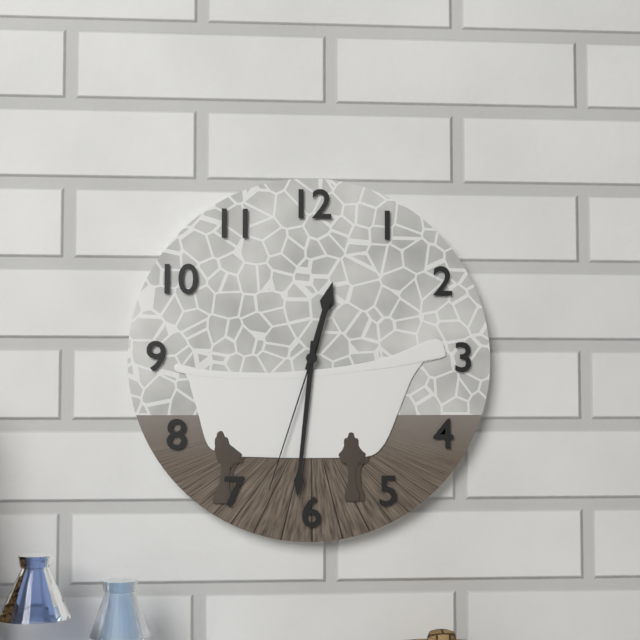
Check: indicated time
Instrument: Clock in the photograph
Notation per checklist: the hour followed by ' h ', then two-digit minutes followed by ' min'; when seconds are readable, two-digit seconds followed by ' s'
12 h 31 min 33 s
